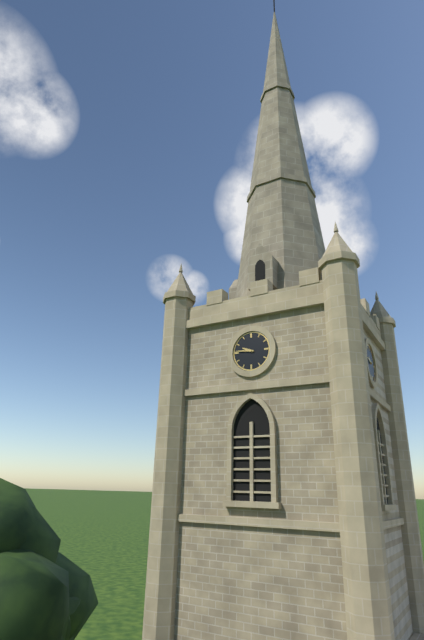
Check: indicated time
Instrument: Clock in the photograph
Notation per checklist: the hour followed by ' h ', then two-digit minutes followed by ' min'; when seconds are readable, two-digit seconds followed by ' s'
9 h 46 min
